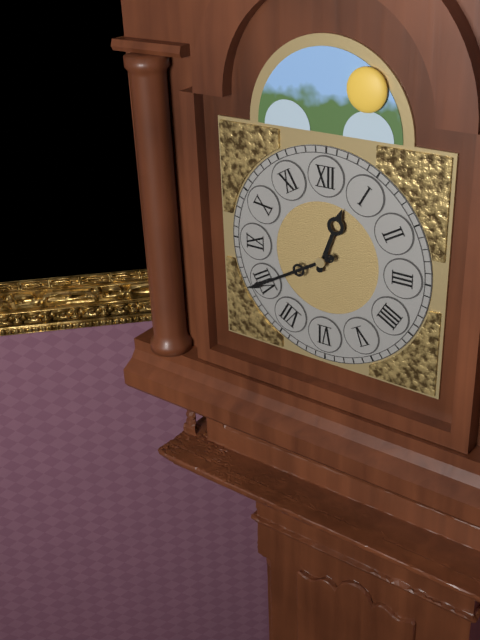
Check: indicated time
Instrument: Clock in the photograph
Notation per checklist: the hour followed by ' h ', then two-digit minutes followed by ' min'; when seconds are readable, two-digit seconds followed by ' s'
12 h 40 min
